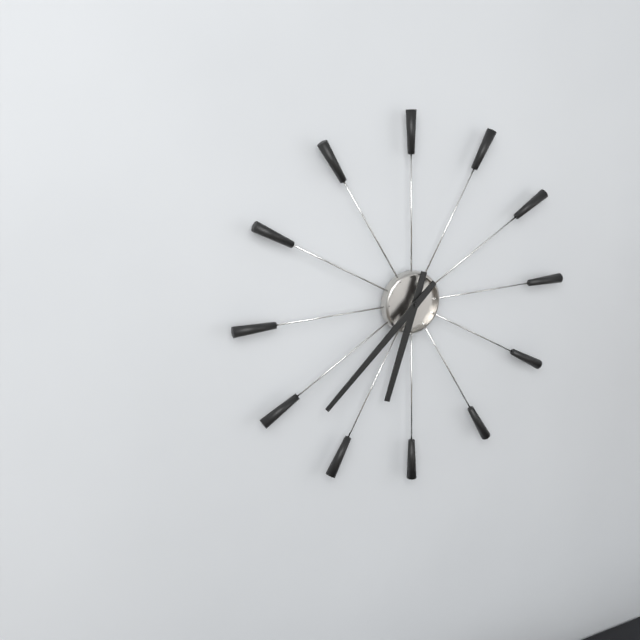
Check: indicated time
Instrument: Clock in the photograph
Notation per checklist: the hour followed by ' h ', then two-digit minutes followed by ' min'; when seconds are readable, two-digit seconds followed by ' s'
6 h 38 min
